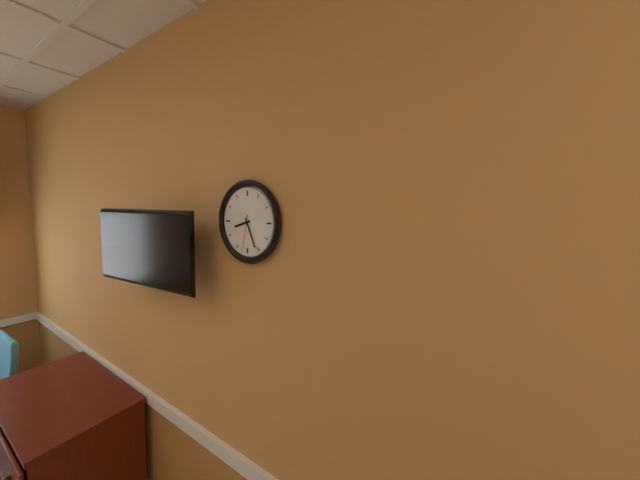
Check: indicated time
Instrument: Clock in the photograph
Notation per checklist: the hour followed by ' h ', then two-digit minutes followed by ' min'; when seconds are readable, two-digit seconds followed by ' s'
8 h 26 min
